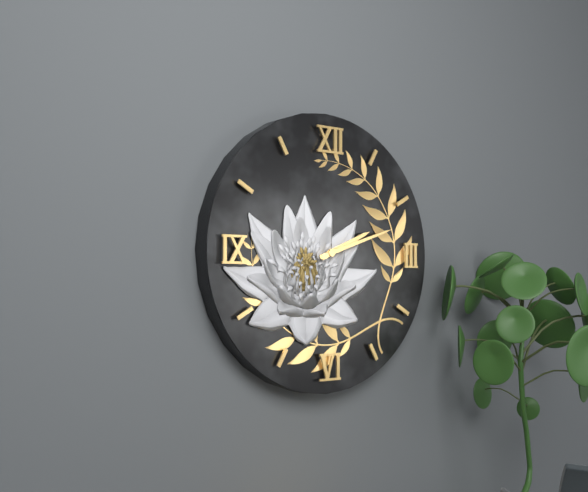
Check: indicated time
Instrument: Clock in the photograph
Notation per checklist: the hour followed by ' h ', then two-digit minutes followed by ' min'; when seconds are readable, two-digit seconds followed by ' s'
2 h 12 min
